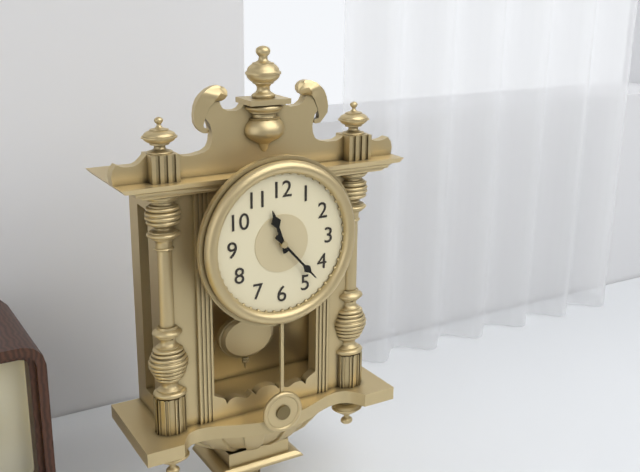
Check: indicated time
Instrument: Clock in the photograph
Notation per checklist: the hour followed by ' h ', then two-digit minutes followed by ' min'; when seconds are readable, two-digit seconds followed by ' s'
11 h 23 min
